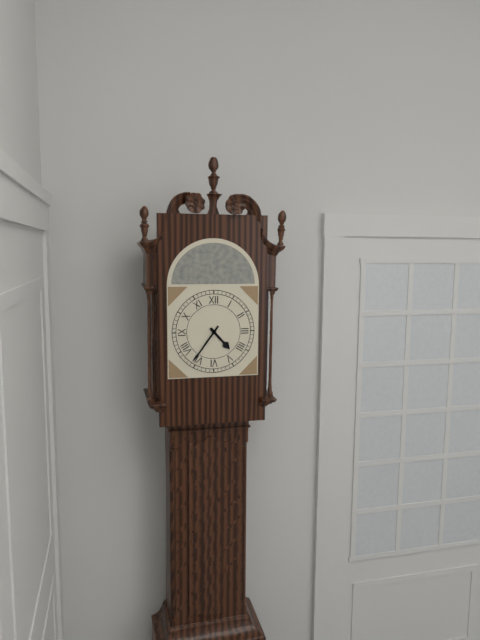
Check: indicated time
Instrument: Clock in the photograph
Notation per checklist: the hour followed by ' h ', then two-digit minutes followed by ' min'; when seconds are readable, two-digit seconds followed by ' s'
4 h 36 min
